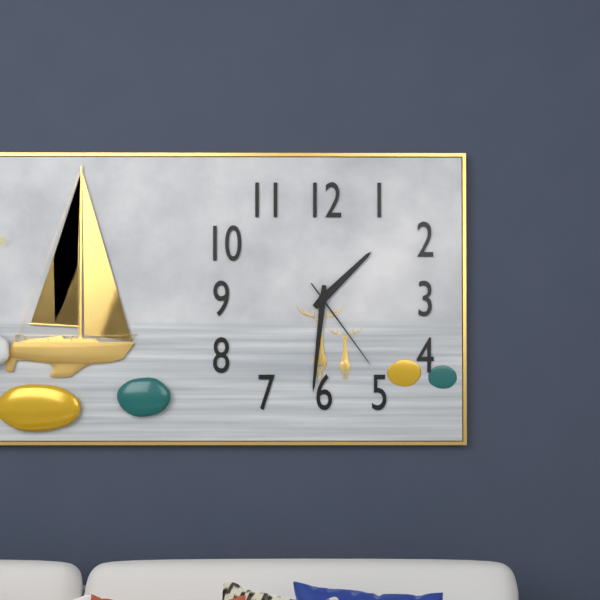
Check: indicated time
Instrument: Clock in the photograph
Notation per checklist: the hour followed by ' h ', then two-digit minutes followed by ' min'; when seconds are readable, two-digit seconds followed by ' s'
1 h 31 min 24 s
